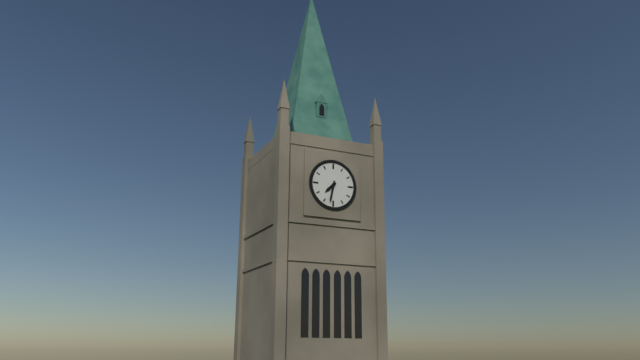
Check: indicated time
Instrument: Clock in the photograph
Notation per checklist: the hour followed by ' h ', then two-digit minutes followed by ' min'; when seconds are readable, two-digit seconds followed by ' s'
7 h 32 min
